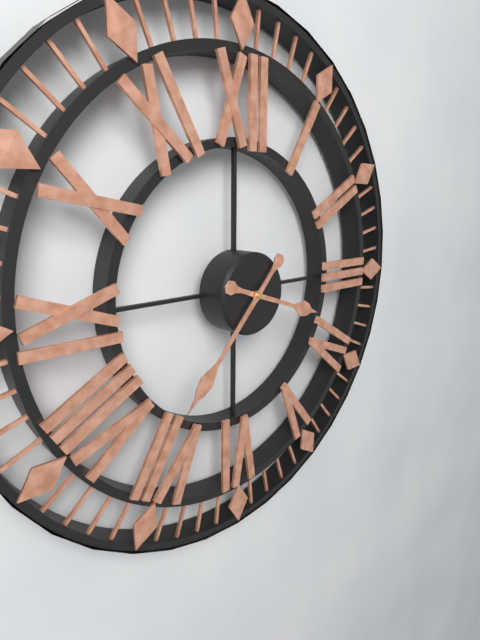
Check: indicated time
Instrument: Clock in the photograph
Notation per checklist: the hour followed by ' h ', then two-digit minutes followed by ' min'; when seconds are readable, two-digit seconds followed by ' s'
3 h 37 min
